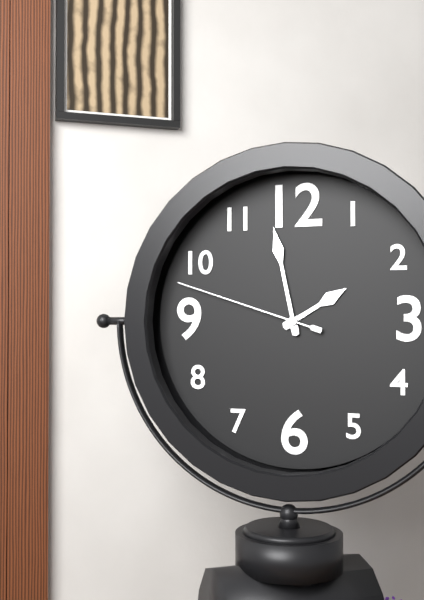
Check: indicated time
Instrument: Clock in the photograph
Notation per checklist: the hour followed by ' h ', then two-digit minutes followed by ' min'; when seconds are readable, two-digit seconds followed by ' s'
1 h 58 min 48 s
